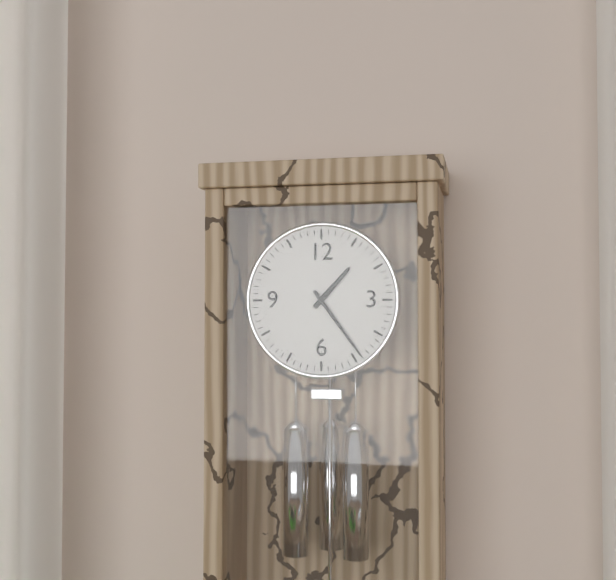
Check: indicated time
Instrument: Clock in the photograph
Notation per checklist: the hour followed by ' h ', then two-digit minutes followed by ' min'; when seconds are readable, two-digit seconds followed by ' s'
1 h 24 min
